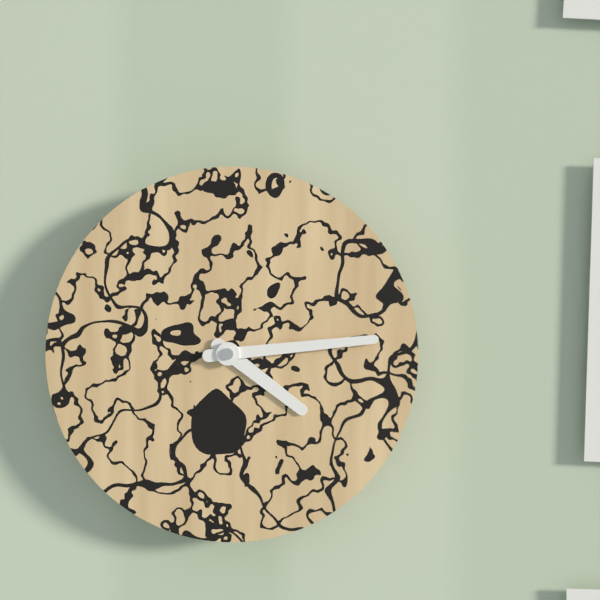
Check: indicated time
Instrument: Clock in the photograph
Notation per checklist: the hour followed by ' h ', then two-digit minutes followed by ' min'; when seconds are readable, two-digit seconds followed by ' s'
4 h 14 min
